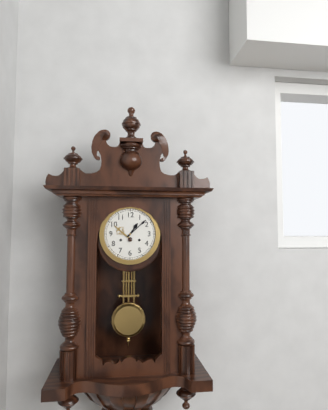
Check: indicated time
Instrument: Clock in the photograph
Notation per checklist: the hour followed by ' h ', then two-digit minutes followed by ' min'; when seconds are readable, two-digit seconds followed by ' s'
1 h 08 min
